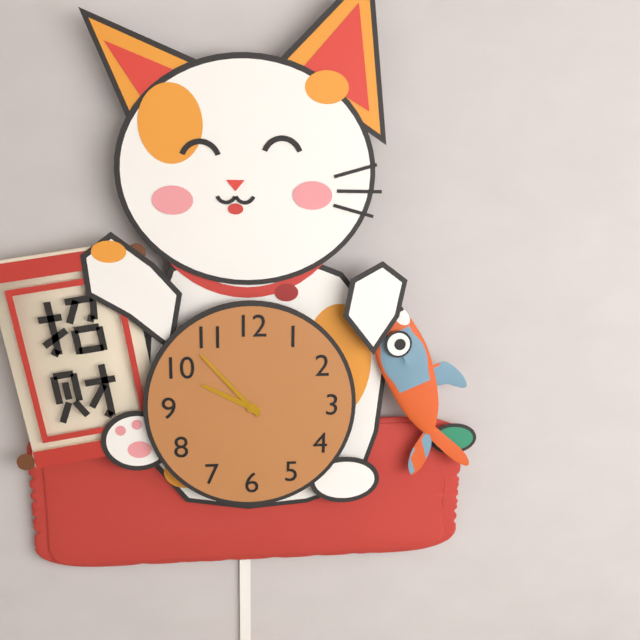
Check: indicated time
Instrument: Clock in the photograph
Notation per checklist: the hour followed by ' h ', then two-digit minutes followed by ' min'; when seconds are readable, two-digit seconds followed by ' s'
9 h 53 min
